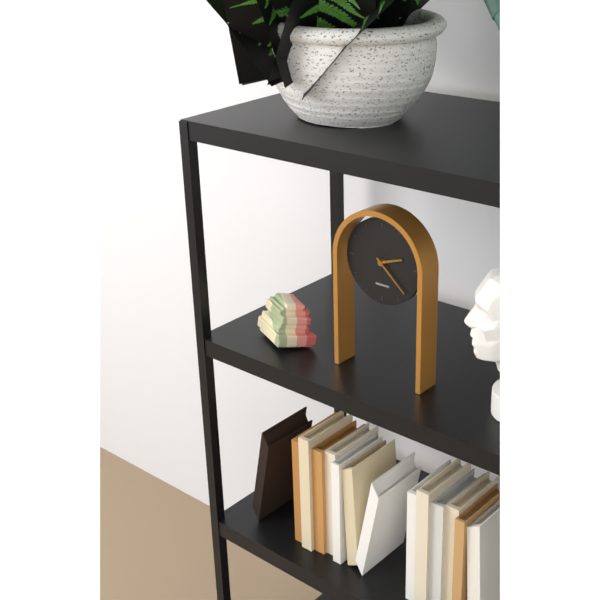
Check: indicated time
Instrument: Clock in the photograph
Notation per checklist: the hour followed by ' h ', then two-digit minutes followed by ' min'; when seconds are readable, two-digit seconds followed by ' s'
2 h 22 min
